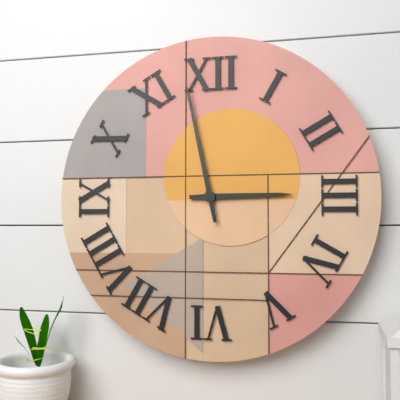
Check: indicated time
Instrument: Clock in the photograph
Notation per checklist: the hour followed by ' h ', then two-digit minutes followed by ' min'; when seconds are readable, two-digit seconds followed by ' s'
2 h 58 min
